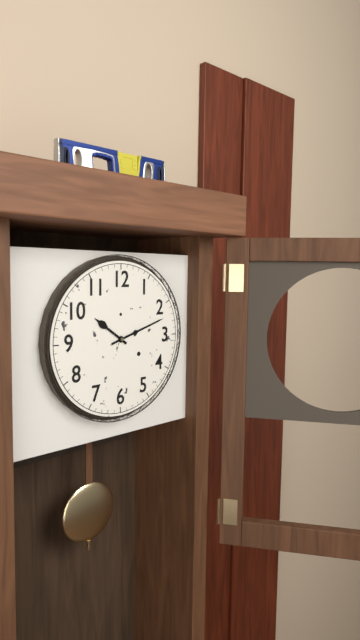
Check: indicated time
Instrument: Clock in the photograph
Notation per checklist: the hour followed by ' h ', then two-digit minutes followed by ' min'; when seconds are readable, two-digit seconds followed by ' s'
10 h 12 min
